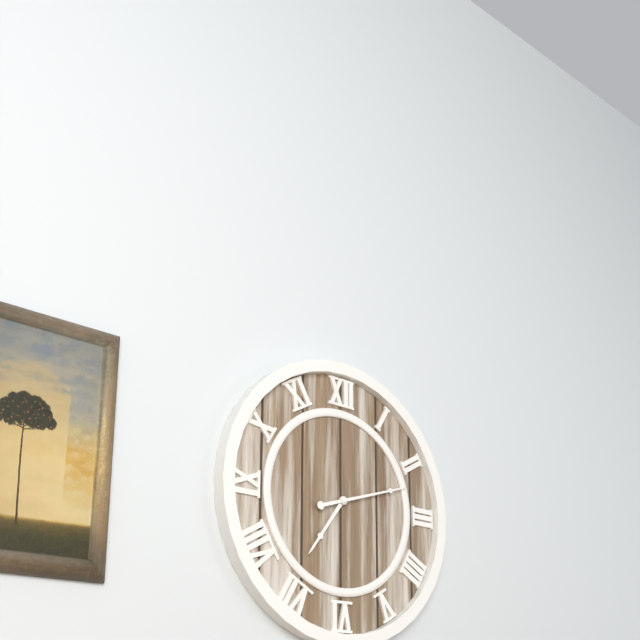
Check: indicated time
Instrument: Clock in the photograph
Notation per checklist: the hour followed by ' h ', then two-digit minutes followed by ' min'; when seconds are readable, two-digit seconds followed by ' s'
7 h 12 min
